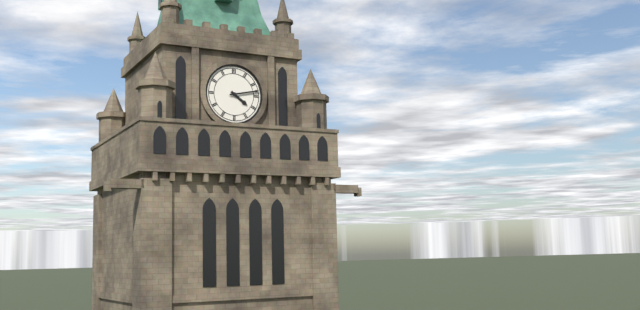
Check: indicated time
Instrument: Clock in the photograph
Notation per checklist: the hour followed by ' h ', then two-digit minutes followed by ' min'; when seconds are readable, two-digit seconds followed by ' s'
4 h 13 min
